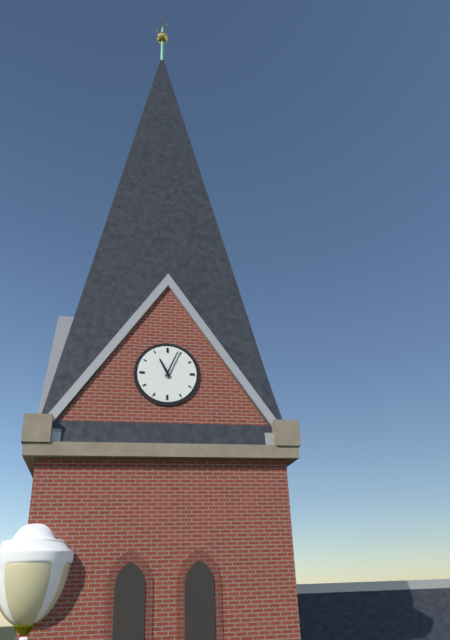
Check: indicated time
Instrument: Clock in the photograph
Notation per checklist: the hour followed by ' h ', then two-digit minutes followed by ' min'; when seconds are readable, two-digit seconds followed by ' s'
11 h 04 min
